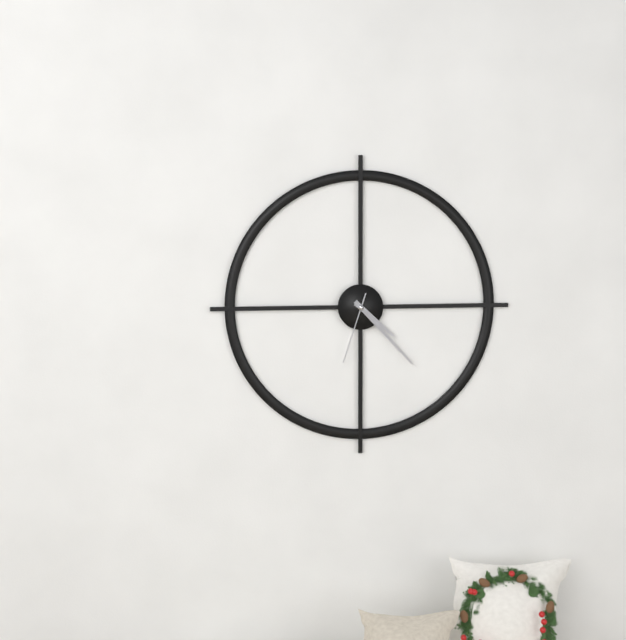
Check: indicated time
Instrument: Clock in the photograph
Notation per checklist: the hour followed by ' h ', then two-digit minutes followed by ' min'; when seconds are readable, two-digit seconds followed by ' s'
4 h 23 min 33 s
